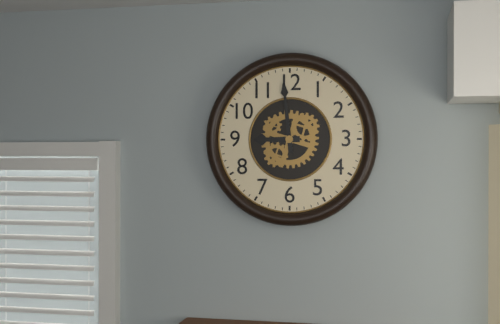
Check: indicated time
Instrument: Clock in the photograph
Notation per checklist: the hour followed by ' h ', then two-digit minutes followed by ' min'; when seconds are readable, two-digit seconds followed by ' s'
8 h 59 min
